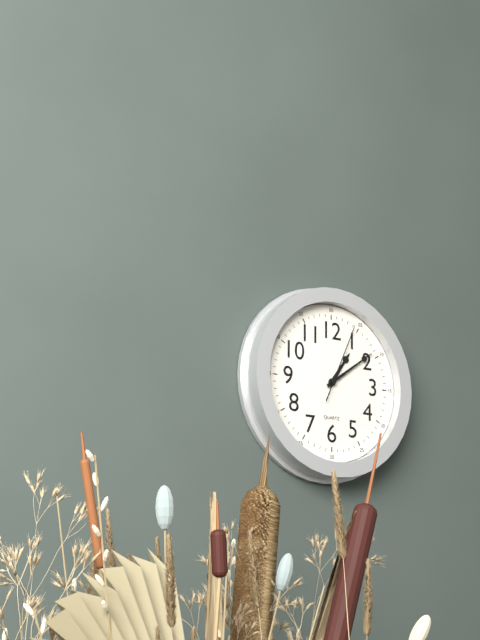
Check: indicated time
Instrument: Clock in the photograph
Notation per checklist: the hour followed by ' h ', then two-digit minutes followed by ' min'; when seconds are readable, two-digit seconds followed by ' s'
1 h 09 min 04 s
